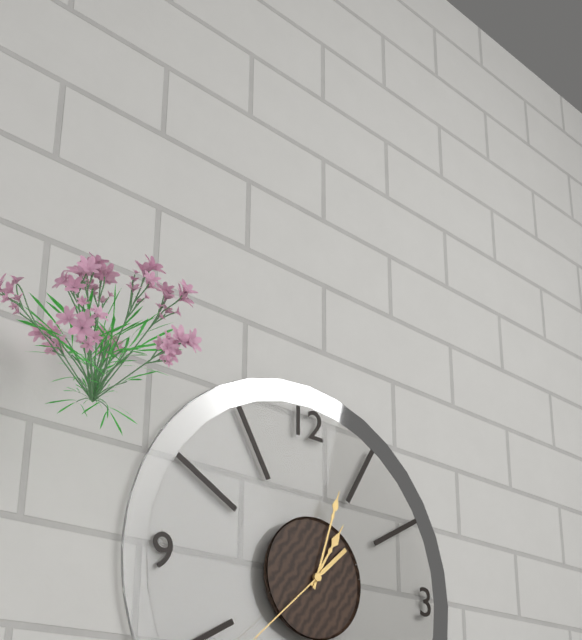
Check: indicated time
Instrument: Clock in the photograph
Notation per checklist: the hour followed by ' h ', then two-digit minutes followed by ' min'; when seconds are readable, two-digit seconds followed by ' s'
1 h 03 min
